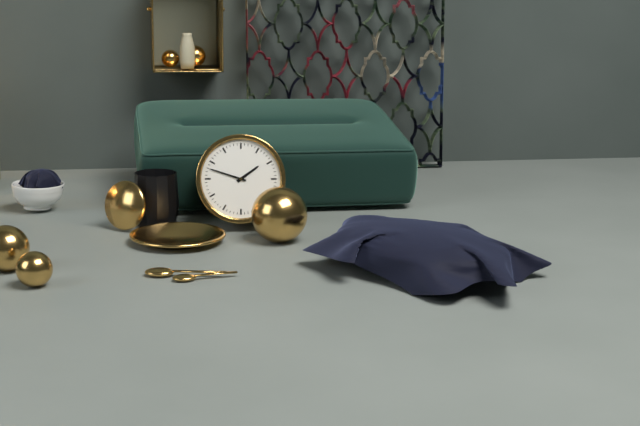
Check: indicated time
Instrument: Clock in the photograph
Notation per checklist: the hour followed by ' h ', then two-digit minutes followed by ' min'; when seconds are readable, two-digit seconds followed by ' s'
1 h 48 min
